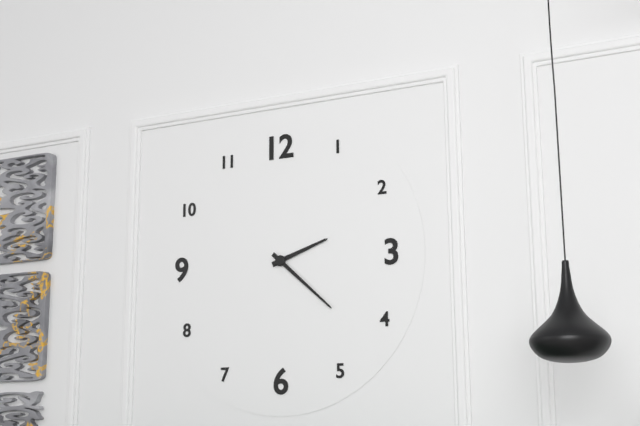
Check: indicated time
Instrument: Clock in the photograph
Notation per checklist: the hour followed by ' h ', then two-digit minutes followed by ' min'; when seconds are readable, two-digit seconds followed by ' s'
2 h 22 min
